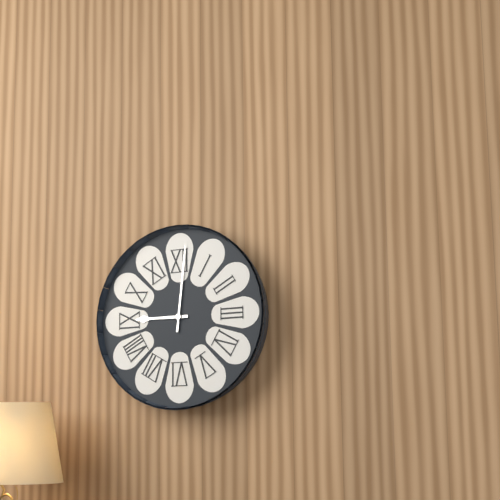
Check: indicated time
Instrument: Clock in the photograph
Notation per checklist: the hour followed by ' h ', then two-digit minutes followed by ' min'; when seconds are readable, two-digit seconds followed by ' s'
9 h 01 min
